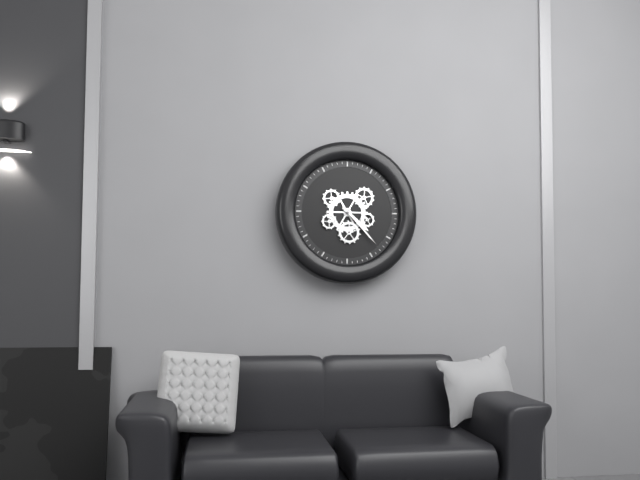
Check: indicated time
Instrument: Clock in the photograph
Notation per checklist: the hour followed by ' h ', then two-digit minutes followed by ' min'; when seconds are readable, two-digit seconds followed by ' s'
4 h 23 min
